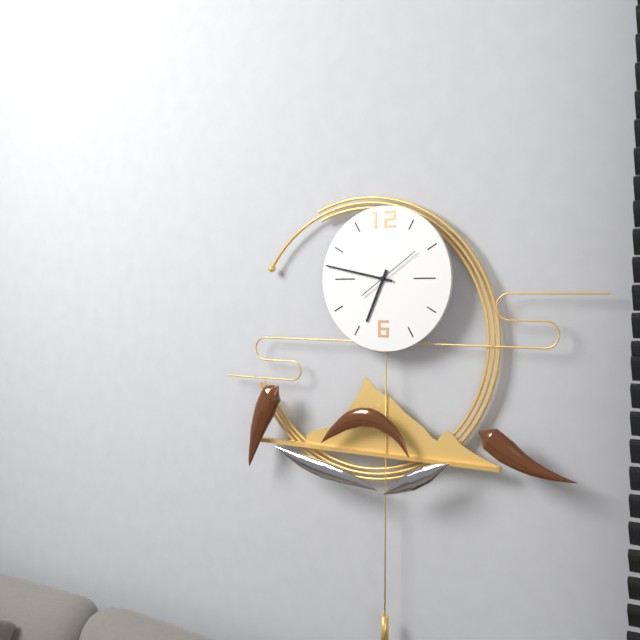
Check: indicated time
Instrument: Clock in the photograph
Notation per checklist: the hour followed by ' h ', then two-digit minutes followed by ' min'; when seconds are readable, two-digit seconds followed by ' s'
6 h 47 min
